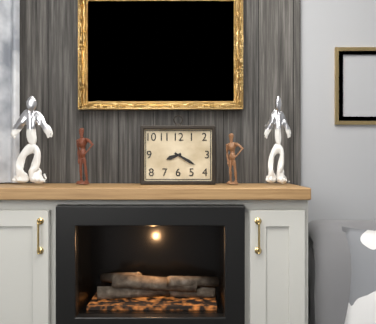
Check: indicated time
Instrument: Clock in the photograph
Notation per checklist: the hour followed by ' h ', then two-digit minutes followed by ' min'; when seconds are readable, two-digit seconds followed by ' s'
8 h 20 min
